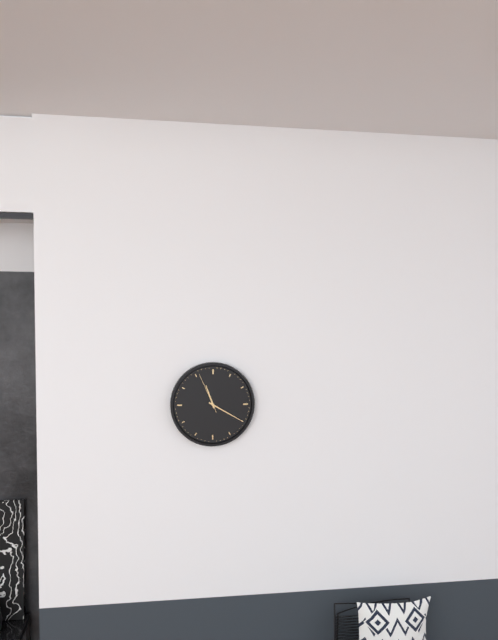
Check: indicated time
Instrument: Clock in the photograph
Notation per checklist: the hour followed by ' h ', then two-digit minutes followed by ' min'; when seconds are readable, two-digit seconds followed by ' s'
11 h 20 min
